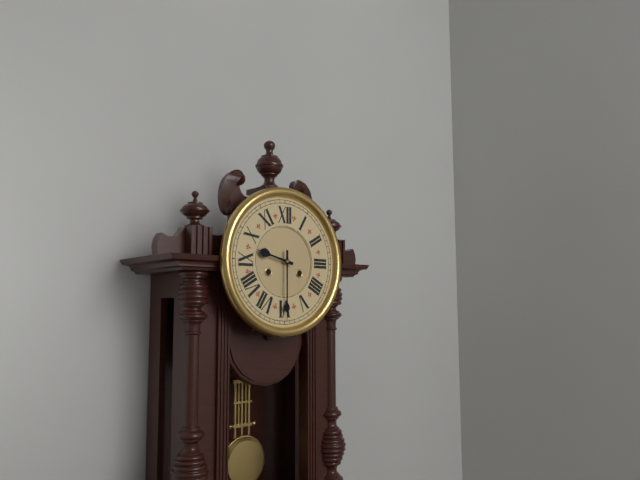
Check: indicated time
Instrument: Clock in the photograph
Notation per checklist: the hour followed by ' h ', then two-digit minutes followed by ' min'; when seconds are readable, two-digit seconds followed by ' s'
9 h 30 min
